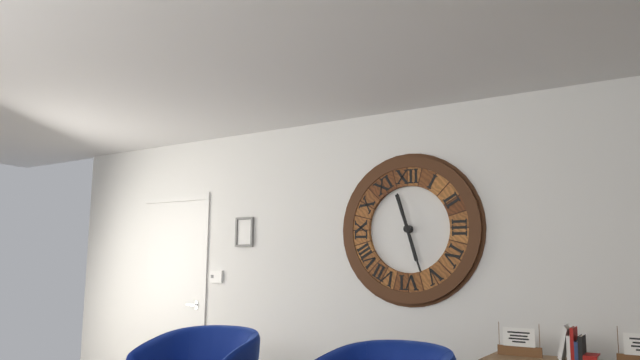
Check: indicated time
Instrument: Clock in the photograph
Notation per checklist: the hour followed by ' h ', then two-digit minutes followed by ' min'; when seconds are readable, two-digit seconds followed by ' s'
11 h 27 min
